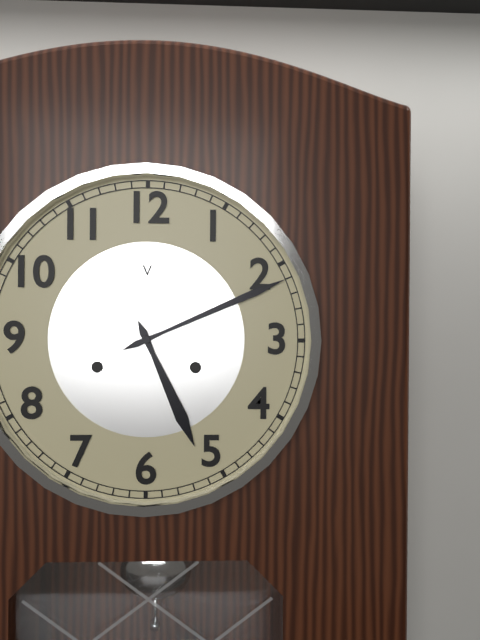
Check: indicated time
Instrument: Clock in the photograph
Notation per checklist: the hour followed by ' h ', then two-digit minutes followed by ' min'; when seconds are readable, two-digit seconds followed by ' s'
5 h 11 min
